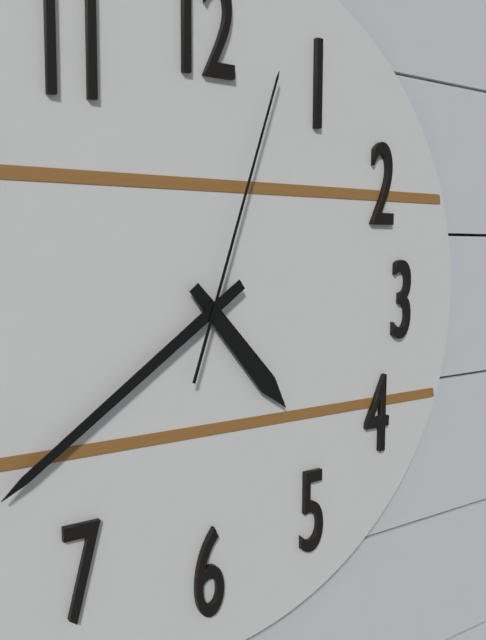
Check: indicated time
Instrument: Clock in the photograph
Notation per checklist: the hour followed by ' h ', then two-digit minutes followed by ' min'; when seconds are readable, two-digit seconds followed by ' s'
4 h 39 min 03 s
